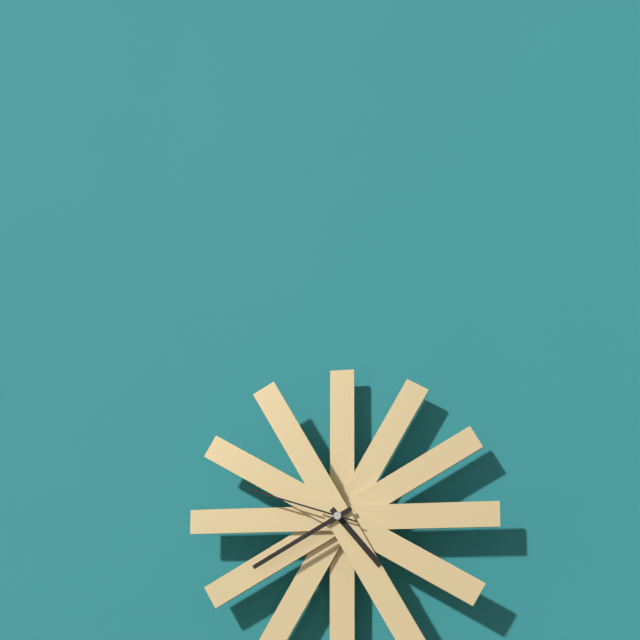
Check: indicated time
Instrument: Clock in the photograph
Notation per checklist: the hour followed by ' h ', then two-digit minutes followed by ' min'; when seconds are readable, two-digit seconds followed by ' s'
4 h 40 min 48 s
